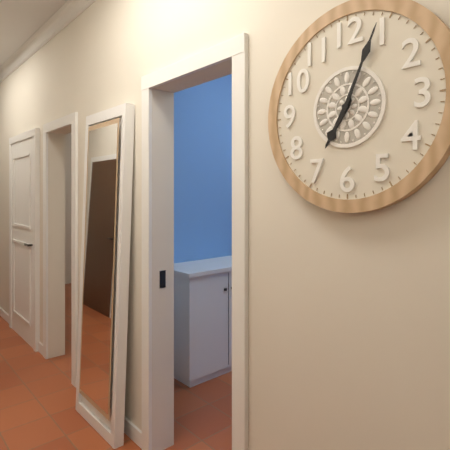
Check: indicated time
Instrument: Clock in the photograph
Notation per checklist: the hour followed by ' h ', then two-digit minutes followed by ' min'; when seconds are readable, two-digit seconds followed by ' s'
7 h 04 min
